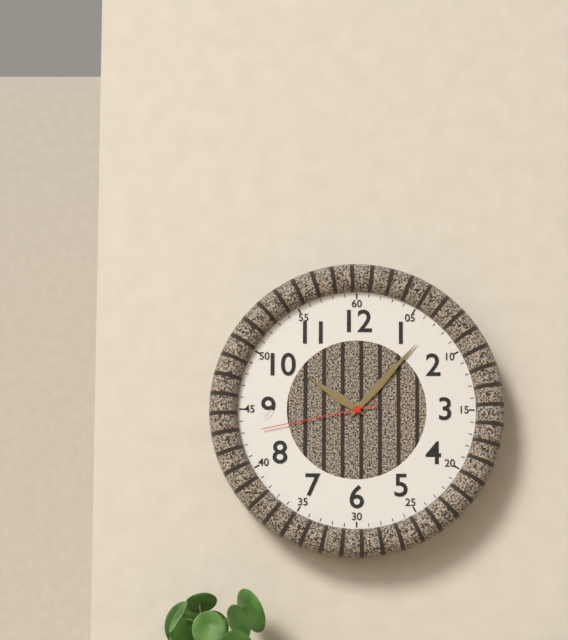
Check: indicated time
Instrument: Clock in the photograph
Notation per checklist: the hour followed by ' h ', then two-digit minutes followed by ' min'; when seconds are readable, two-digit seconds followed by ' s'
10 h 07 min 43 s
